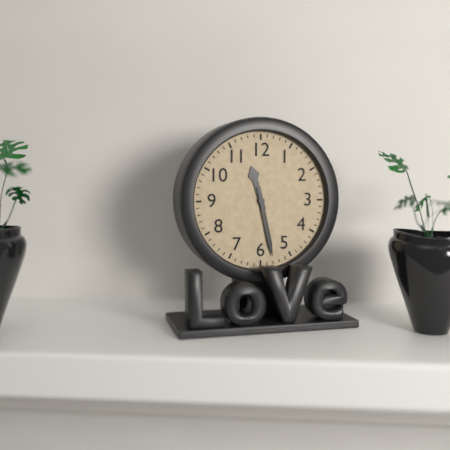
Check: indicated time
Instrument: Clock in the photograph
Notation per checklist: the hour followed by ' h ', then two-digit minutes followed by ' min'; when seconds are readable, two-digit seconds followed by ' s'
11 h 28 min
